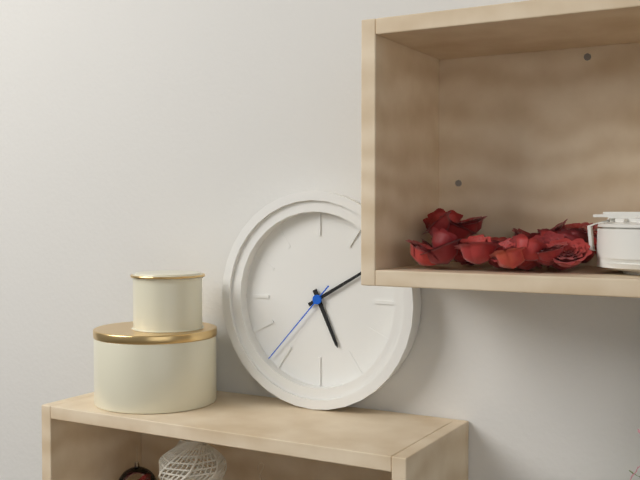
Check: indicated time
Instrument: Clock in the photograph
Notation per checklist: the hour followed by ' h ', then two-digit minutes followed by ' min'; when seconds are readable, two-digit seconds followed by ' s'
5 h 10 min 37 s
